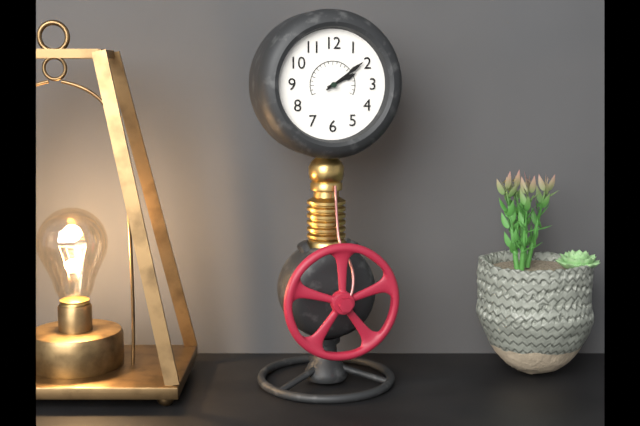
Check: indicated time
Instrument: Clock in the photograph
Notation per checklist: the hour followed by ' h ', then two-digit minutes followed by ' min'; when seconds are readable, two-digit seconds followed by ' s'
2 h 09 min
